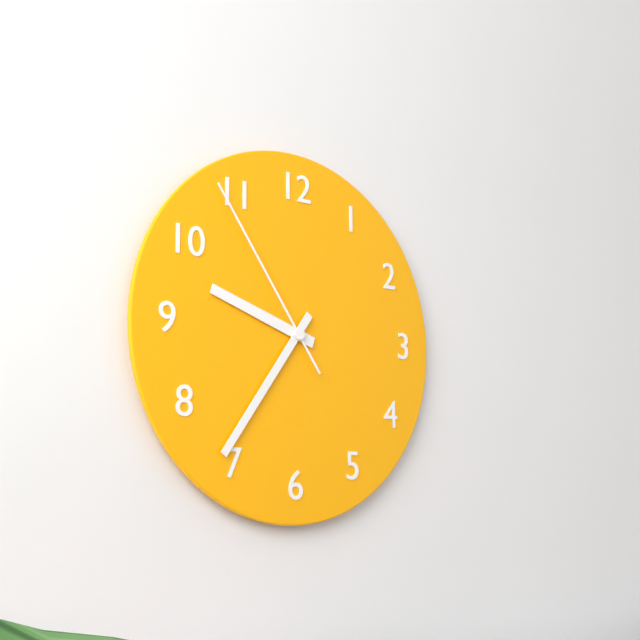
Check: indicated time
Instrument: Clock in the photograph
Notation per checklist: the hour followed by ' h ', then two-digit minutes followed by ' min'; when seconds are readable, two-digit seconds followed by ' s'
9 h 36 min 54 s
